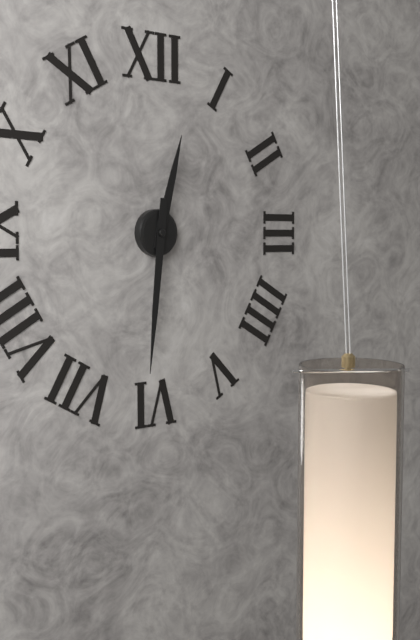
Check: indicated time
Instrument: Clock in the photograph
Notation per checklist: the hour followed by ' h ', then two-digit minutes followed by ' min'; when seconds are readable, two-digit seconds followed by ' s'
12 h 31 min
